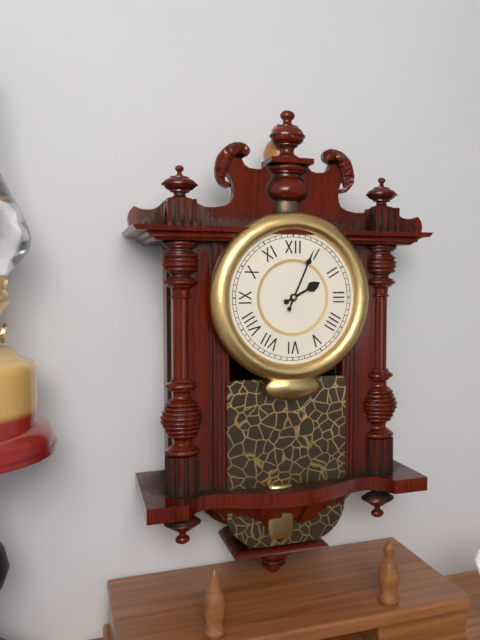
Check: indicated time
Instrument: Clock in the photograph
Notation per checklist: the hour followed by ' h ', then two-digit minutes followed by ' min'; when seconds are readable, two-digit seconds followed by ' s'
2 h 04 min
